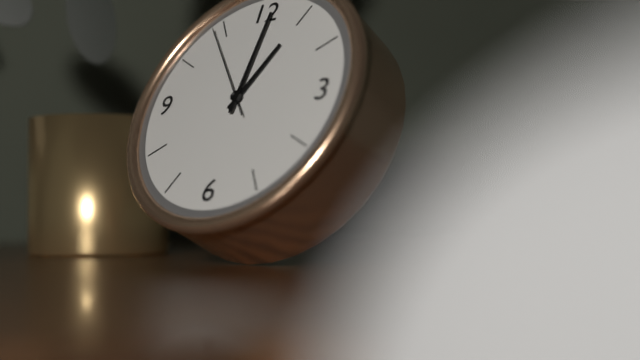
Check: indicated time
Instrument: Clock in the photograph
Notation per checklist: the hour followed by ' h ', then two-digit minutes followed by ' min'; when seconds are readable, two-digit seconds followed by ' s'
1 h 01 min 54 s
